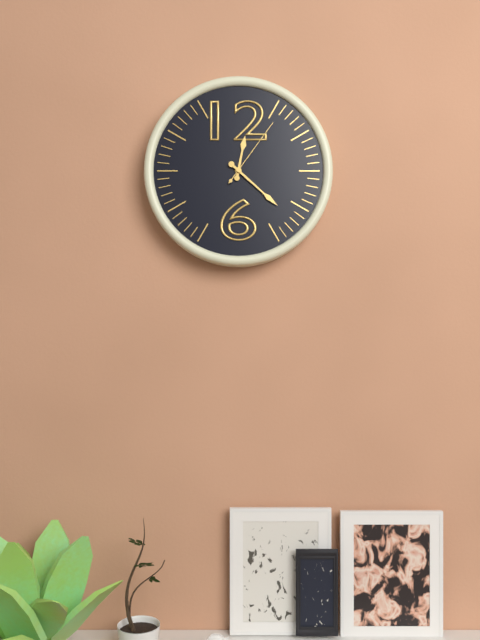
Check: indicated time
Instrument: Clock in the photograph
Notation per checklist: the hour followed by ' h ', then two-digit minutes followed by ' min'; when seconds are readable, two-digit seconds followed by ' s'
12 h 22 min 06 s
